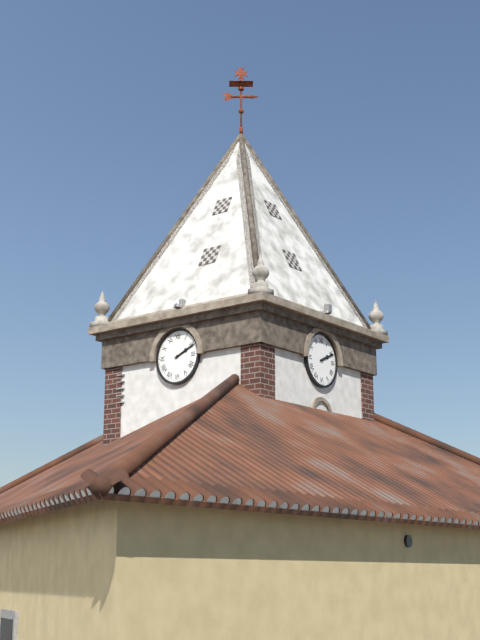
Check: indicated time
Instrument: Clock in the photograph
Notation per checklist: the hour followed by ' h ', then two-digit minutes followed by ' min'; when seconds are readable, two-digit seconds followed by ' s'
2 h 11 min
